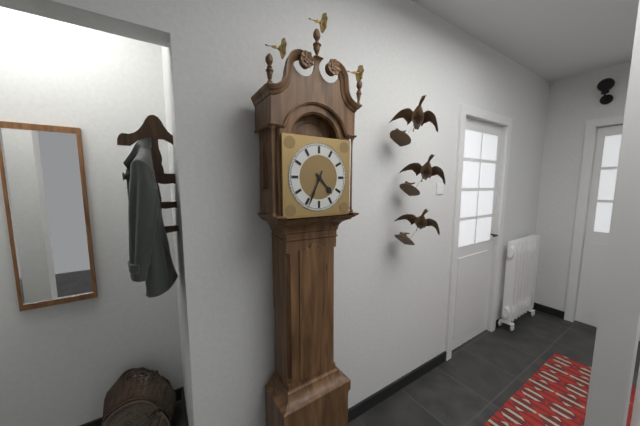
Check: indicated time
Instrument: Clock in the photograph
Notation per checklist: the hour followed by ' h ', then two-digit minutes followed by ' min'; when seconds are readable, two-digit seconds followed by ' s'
4 h 34 min
